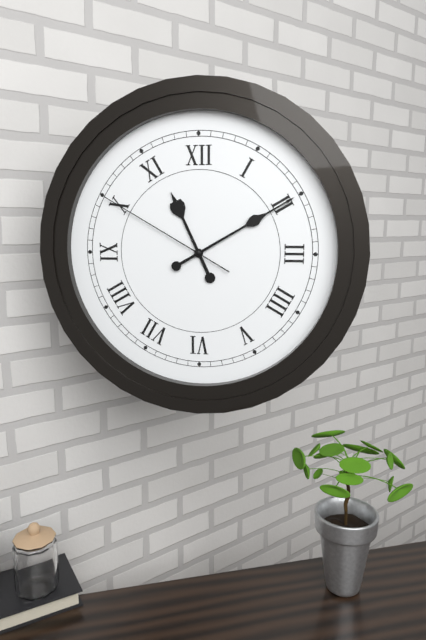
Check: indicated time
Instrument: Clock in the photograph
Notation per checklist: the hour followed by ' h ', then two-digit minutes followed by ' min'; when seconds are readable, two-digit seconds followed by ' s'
11 h 10 min 50 s
